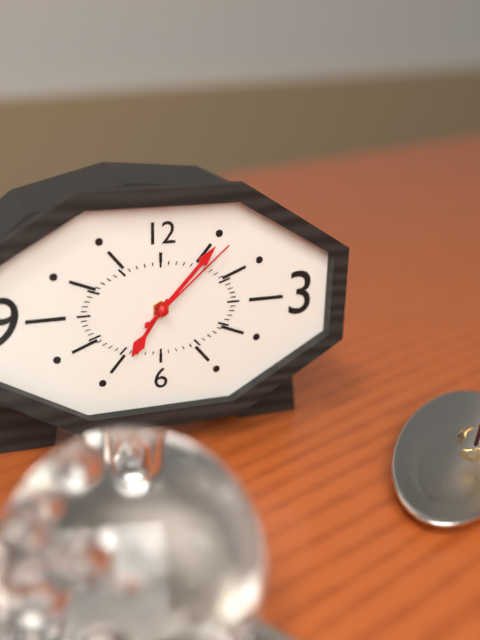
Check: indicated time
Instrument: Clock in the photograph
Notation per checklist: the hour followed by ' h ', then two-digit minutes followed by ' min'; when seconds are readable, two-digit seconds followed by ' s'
7 h 07 min 08 s
